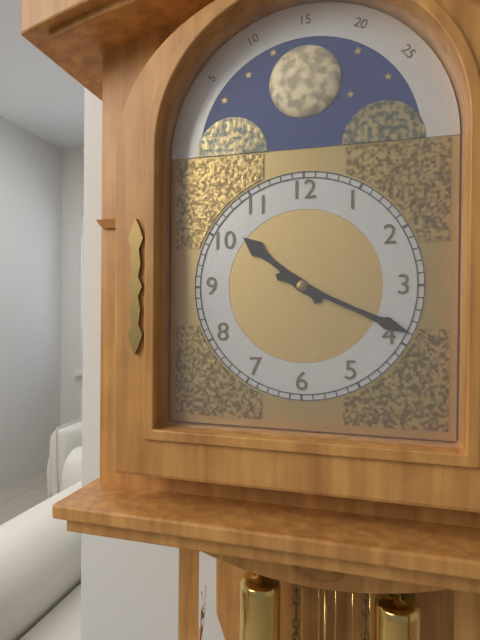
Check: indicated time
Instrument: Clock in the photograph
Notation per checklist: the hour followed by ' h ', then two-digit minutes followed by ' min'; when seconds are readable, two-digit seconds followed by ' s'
10 h 19 min
